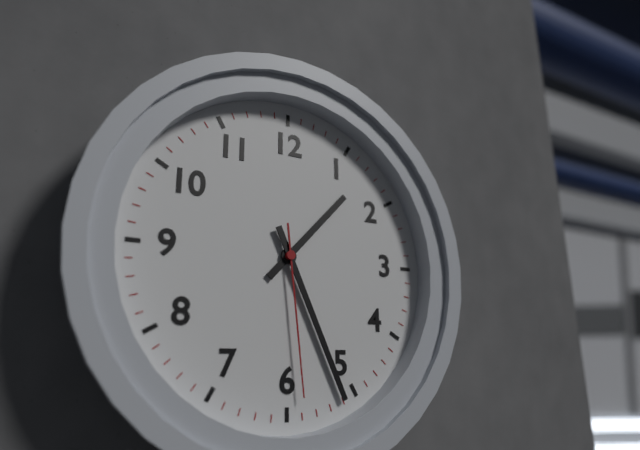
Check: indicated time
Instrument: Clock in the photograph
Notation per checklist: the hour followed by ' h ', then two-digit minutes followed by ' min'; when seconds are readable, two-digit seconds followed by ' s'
1 h 26 min 29 s
